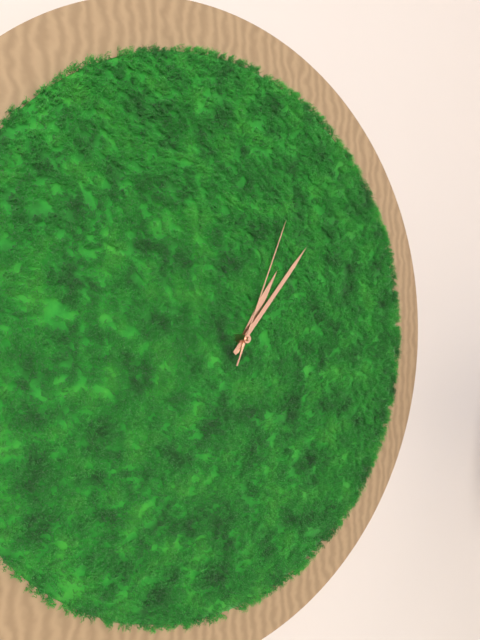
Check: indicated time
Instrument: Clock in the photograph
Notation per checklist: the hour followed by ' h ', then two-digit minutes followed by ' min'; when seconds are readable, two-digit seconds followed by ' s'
1 h 07 min 04 s
